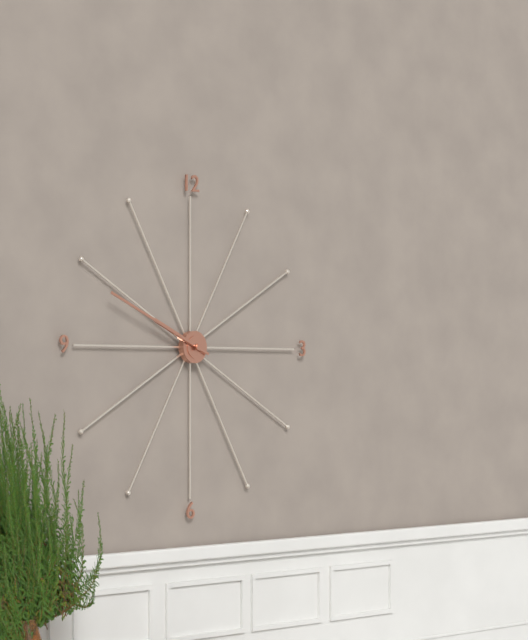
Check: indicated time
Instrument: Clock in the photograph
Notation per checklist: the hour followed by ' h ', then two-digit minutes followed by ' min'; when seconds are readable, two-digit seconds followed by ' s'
9 h 49 min
